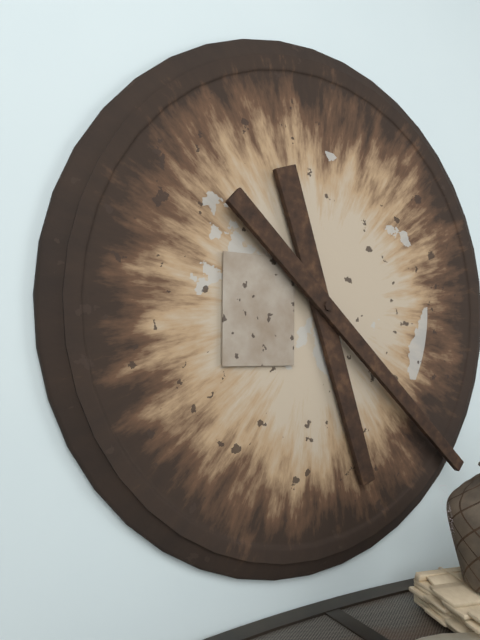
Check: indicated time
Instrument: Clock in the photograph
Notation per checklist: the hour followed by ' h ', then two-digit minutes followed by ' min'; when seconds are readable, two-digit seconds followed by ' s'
5 h 22 min
